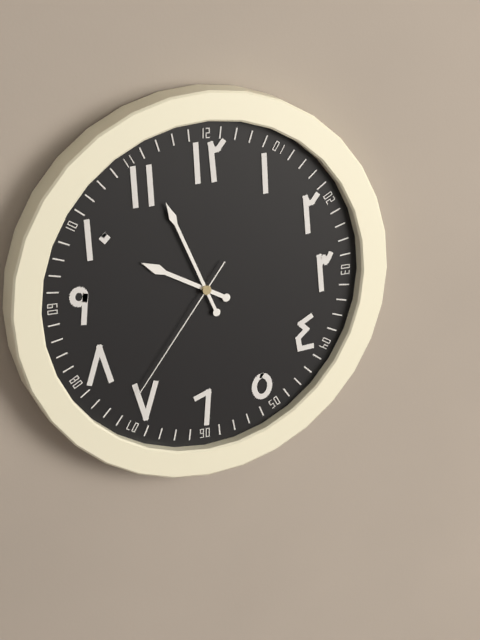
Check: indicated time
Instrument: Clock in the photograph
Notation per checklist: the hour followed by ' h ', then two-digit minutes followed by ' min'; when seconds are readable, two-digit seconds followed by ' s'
9 h 56 min 36 s
